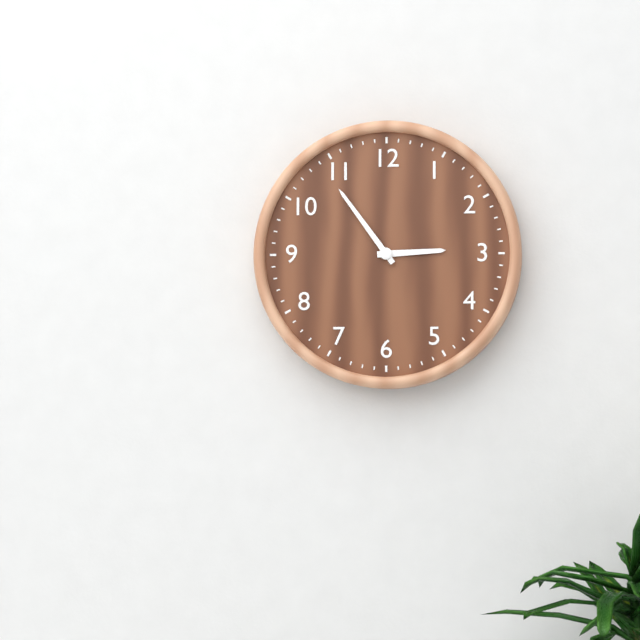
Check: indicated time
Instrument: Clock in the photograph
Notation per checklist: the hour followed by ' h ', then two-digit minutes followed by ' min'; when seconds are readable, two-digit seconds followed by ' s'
2 h 54 min
